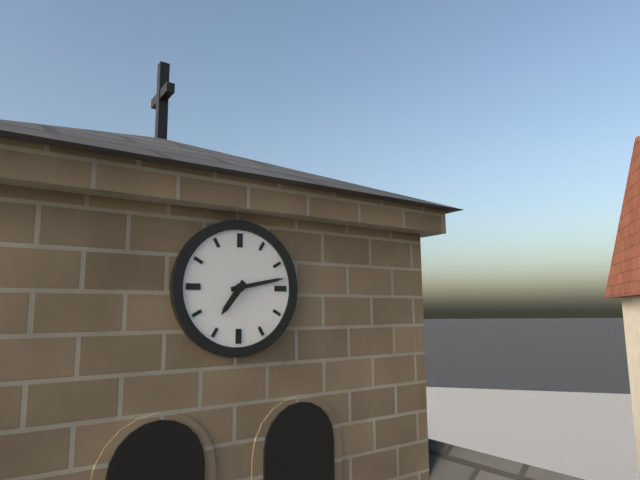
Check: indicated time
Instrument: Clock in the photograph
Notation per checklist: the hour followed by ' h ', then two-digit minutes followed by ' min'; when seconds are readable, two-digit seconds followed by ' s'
7 h 13 min
